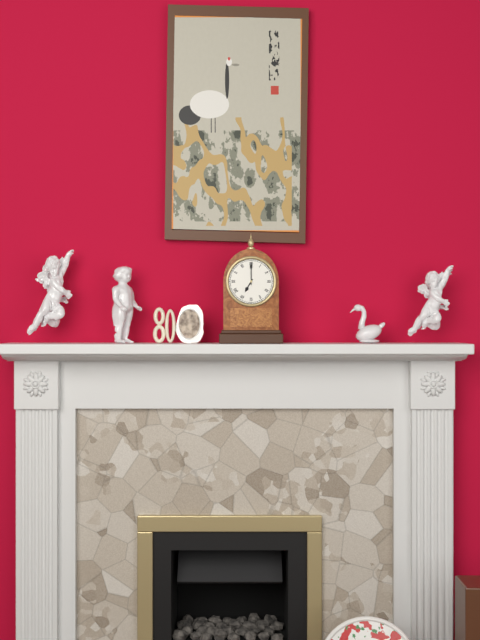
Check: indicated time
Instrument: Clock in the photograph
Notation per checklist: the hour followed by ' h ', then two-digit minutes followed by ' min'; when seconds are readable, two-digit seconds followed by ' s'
7 h 00 min
